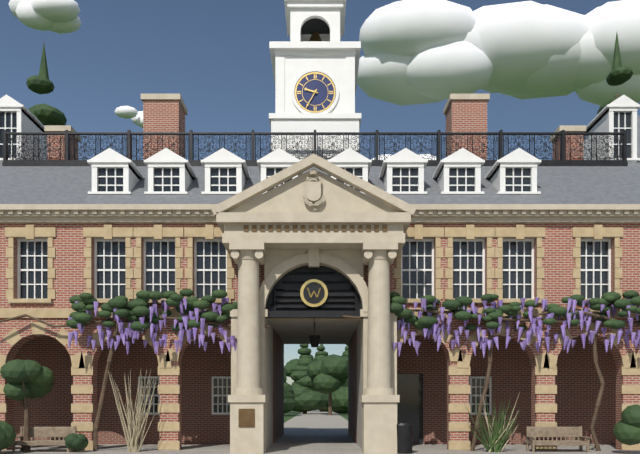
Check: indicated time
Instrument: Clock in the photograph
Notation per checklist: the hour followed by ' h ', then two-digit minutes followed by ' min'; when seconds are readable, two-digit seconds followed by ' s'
9 h 35 min
